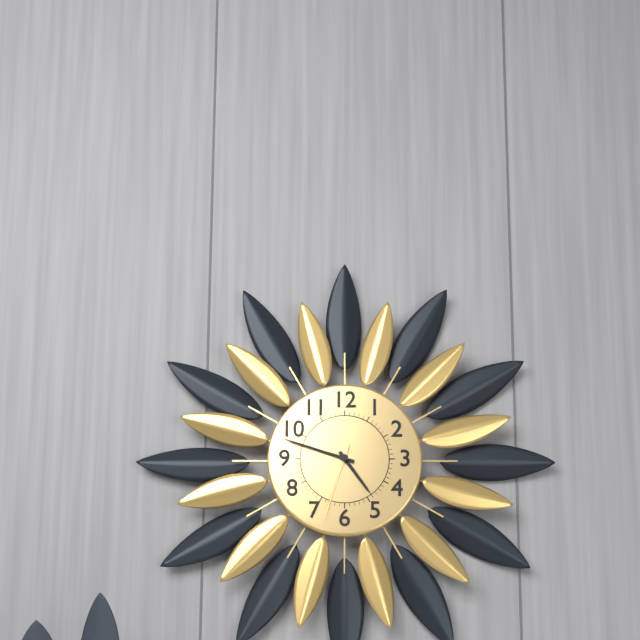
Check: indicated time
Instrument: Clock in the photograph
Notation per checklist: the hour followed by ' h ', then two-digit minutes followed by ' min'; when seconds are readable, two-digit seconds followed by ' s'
4 h 48 min 33 s
